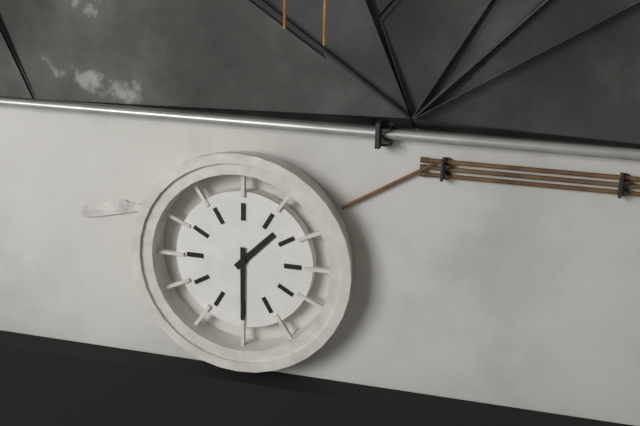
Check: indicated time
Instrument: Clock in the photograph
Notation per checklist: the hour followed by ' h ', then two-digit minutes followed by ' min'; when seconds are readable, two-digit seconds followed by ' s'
1 h 30 min
